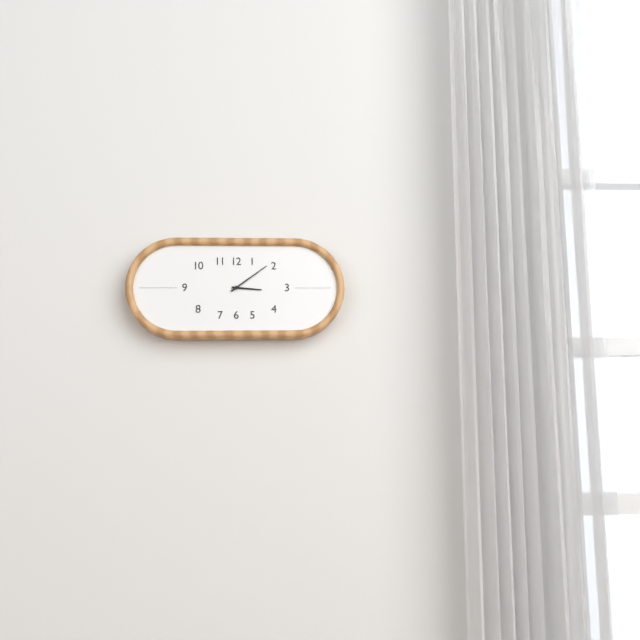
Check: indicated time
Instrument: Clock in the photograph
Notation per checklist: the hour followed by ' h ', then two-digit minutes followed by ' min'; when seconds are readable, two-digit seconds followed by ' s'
3 h 09 min
